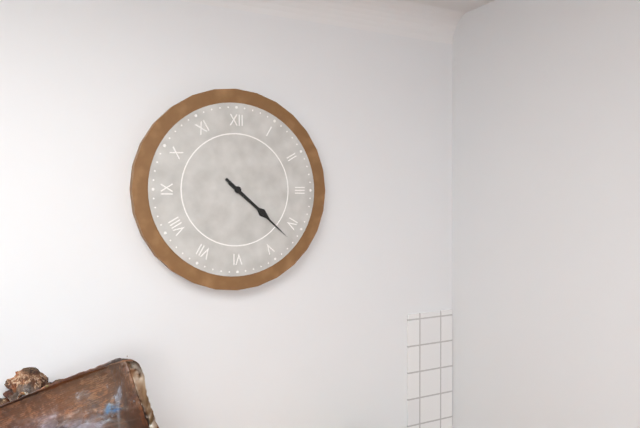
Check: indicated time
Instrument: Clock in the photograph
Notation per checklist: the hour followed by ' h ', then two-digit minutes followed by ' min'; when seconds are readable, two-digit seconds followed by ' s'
4 h 22 min
